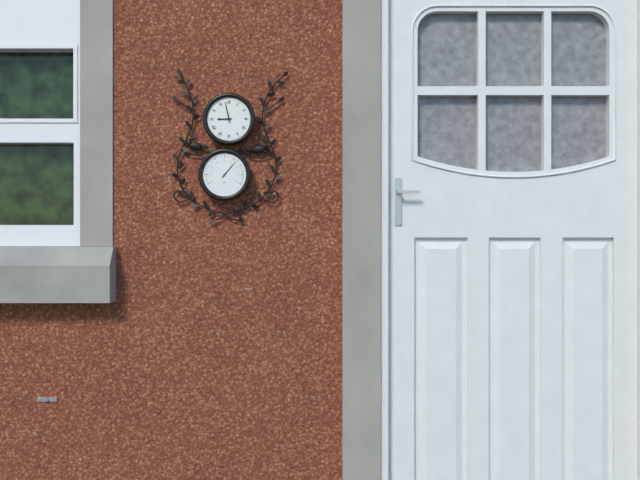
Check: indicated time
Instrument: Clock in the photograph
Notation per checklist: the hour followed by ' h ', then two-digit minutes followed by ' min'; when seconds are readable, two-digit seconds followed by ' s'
8 h 58 min
